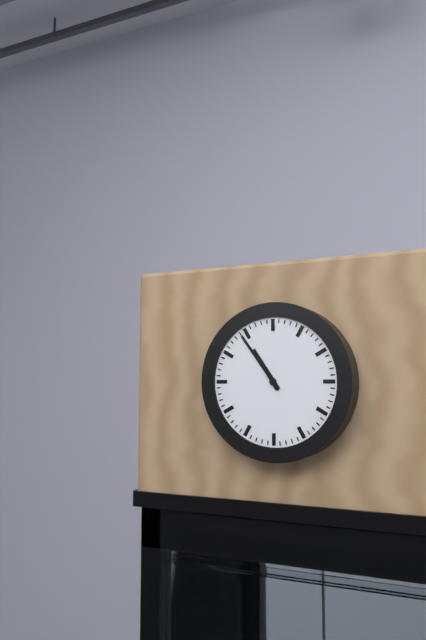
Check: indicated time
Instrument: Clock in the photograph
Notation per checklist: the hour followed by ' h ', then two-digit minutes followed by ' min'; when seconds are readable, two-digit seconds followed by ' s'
10 h 54 min
